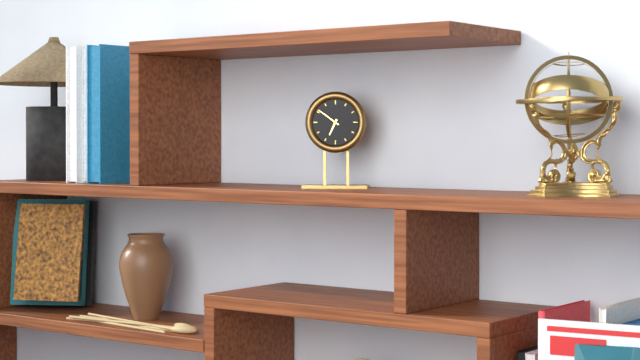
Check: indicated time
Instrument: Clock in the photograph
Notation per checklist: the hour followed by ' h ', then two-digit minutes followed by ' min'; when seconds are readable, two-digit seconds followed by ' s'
6 h 51 min
